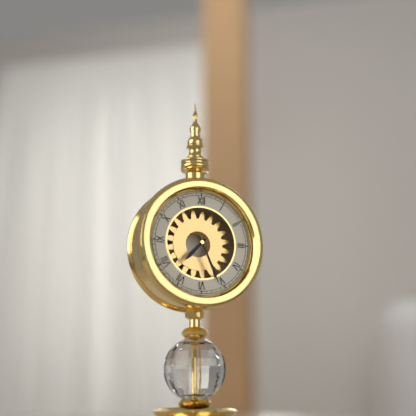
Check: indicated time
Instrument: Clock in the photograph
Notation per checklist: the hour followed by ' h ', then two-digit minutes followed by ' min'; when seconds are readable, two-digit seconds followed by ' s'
7 h 26 min
